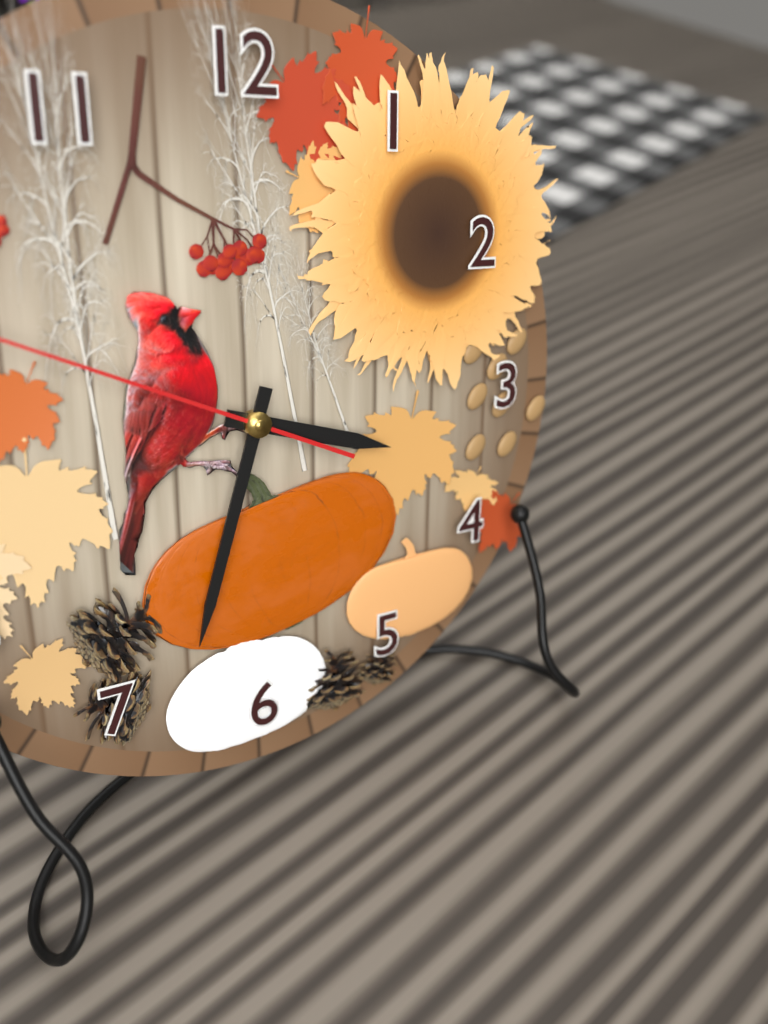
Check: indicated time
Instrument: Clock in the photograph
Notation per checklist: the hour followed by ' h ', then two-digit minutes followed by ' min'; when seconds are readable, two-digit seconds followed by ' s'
3 h 33 min
